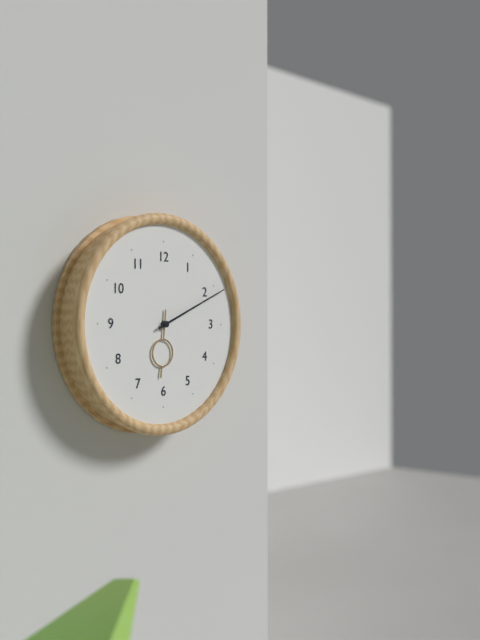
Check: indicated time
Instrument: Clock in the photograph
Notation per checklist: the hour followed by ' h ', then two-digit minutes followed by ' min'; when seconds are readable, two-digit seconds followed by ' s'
6 h 11 min
